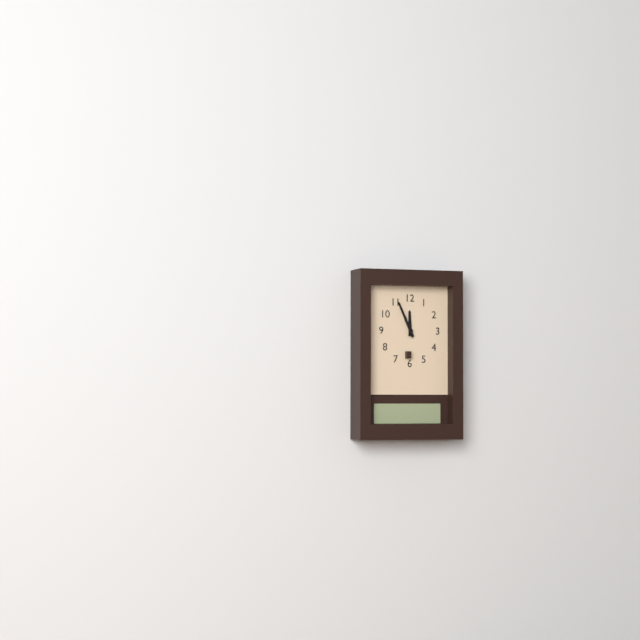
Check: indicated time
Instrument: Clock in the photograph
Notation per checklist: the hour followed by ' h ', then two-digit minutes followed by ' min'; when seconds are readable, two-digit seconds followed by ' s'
11 h 56 min
